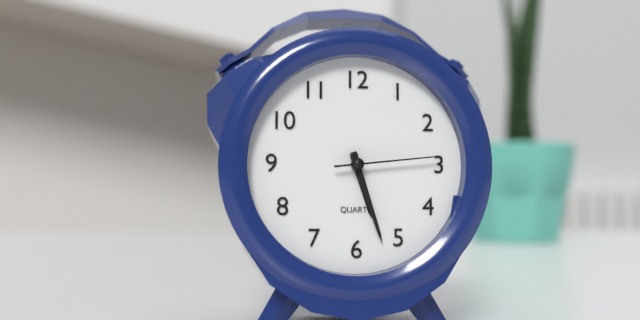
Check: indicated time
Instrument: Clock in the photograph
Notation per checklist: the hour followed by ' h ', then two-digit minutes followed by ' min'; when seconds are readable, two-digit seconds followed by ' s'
5 h 27 min 14 s
